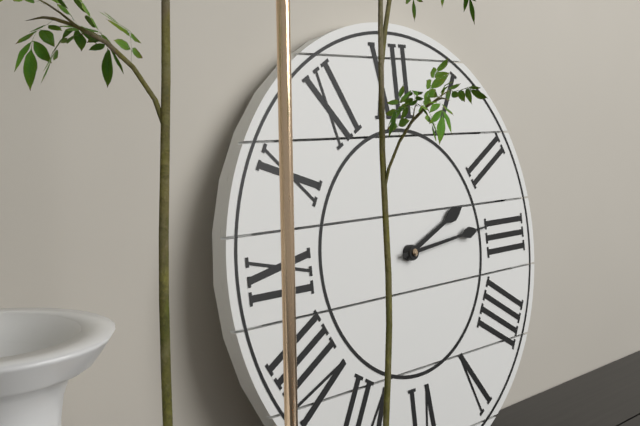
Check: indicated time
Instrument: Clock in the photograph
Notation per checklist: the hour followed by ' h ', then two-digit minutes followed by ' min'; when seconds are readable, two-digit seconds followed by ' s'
2 h 14 min
